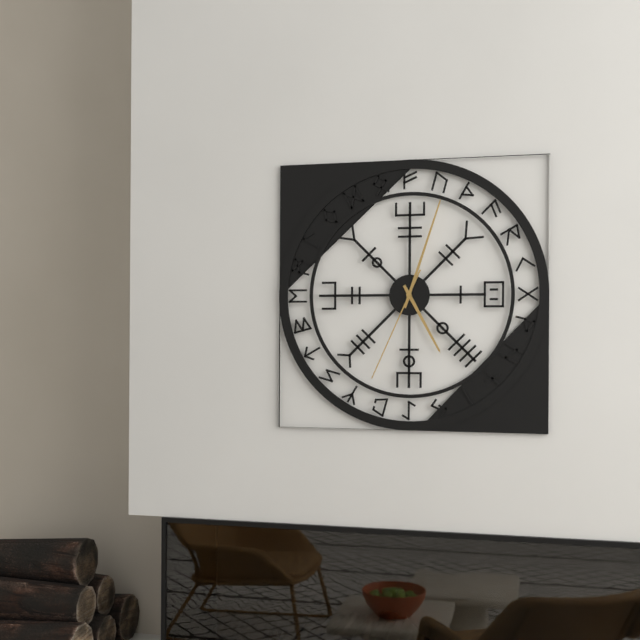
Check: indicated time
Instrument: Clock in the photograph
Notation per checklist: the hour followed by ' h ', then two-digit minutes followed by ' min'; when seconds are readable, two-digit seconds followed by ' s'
5 h 03 min 34 s
